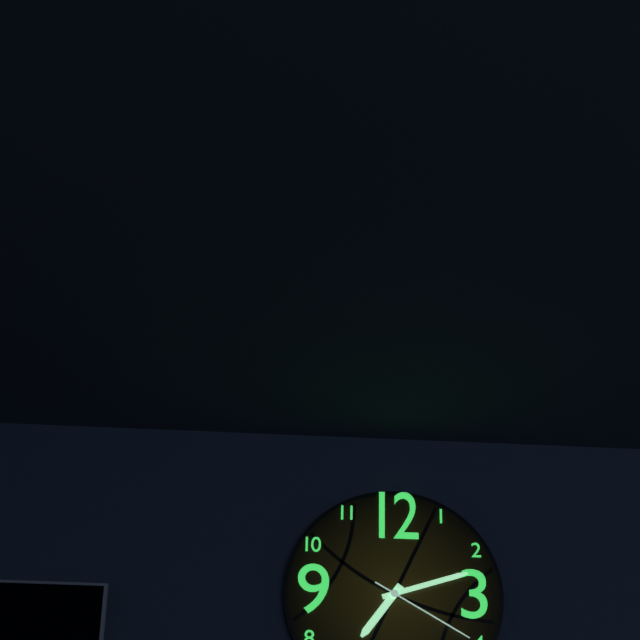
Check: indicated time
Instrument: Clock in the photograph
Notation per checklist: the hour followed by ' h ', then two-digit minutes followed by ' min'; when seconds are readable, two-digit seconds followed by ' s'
7 h 12 min 20 s
